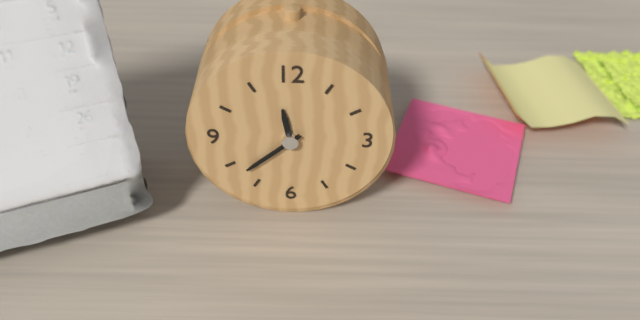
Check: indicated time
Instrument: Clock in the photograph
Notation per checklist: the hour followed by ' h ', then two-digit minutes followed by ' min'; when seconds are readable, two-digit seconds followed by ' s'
11 h 38 min
